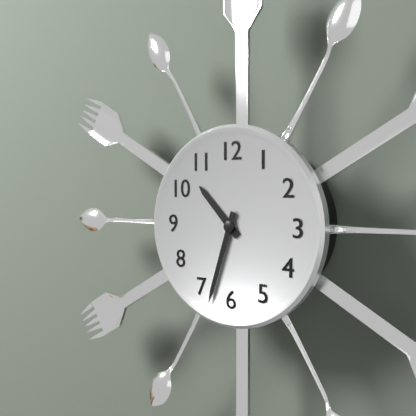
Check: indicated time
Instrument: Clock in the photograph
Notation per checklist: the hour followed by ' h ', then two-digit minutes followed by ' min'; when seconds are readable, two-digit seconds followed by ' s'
10 h 33 min
